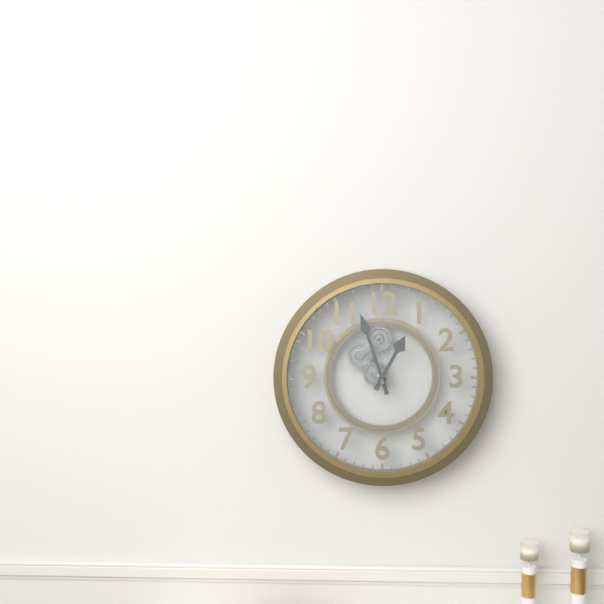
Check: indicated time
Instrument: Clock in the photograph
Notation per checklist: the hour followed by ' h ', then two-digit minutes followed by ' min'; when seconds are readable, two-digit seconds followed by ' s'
12 h 57 min
